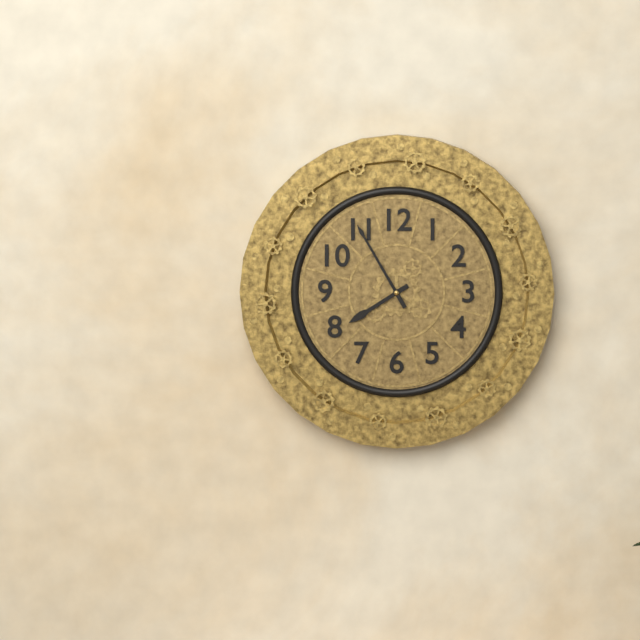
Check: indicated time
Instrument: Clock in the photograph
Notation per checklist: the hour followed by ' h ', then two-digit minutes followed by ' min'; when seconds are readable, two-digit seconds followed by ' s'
7 h 55 min
